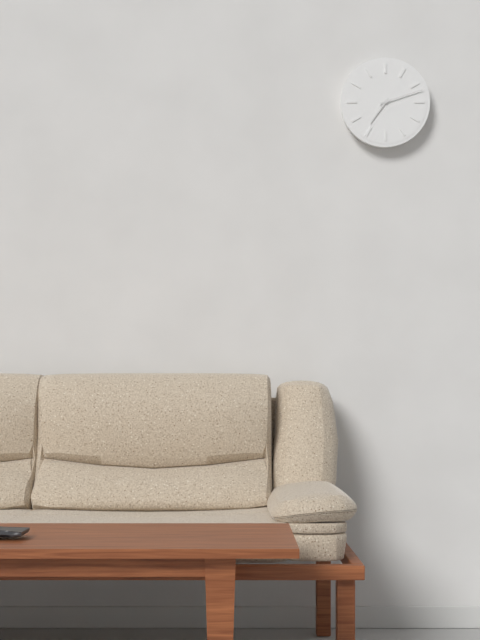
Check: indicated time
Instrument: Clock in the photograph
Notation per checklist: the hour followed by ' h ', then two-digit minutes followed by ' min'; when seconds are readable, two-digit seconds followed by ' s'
7 h 12 min
